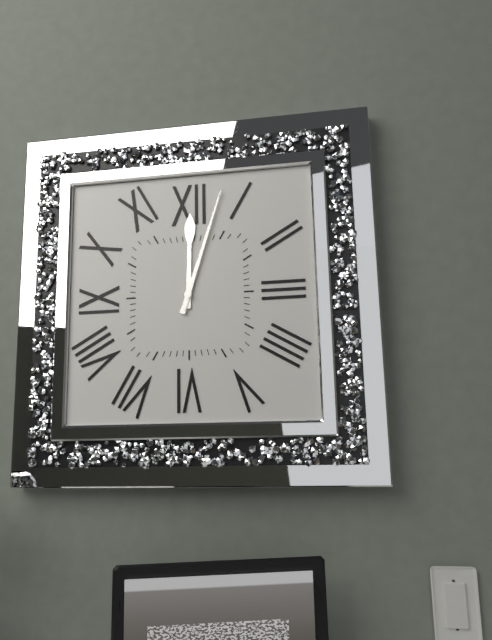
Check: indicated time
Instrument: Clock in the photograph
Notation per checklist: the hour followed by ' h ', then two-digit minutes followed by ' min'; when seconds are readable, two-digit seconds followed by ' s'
12 h 03 min
